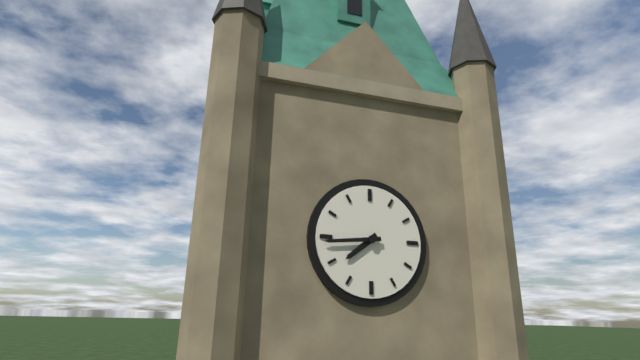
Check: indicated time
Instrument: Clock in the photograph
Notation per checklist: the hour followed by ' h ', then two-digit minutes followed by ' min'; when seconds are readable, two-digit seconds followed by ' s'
7 h 44 min
